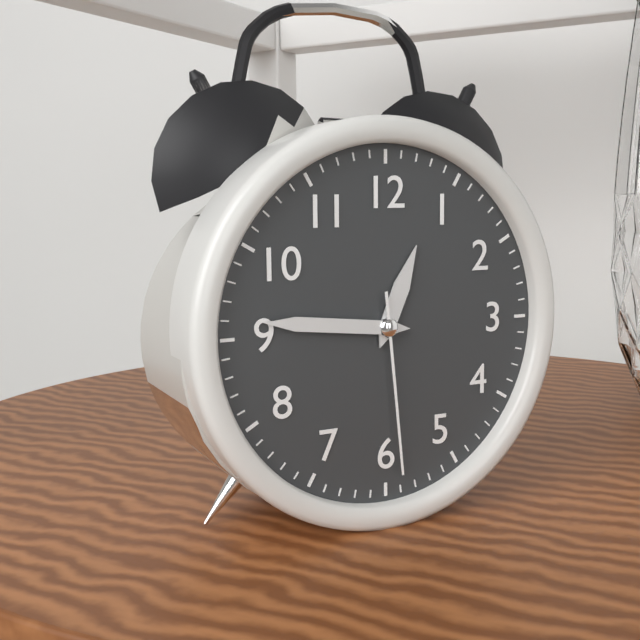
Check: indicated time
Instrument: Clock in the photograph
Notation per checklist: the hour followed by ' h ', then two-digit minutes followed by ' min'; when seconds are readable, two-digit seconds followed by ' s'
12 h 46 min 29 s
